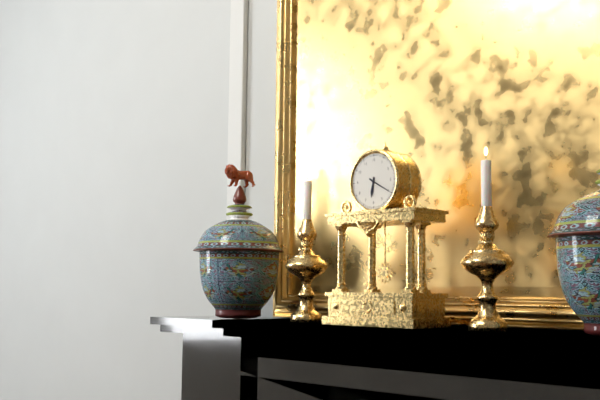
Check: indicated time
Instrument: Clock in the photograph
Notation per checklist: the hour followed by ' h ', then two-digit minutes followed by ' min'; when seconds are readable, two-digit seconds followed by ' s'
6 h 20 min
